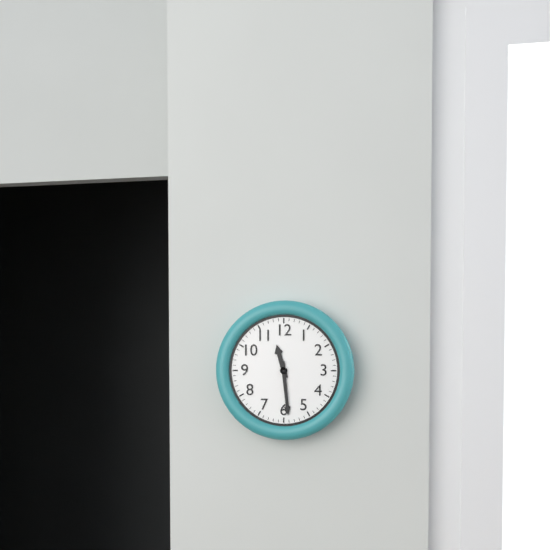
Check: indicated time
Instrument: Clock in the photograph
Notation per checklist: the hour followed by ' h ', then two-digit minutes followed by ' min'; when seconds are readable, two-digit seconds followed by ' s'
11 h 29 min
